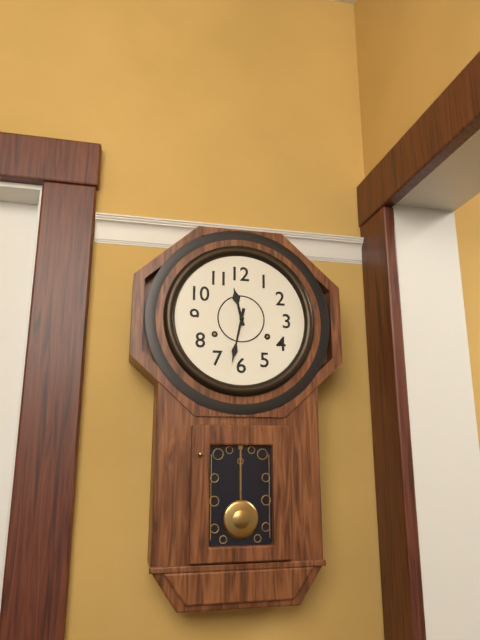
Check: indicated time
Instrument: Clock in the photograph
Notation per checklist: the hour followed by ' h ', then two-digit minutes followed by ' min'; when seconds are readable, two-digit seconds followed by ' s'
11 h 32 min
